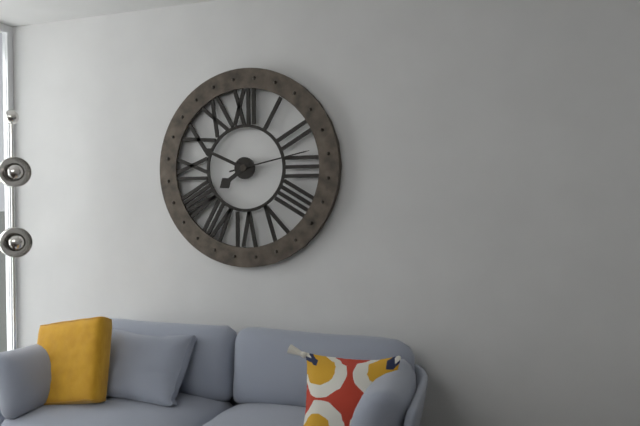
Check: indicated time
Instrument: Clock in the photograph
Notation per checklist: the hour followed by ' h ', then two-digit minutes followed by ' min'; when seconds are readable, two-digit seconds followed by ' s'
7 h 49 min 13 s
